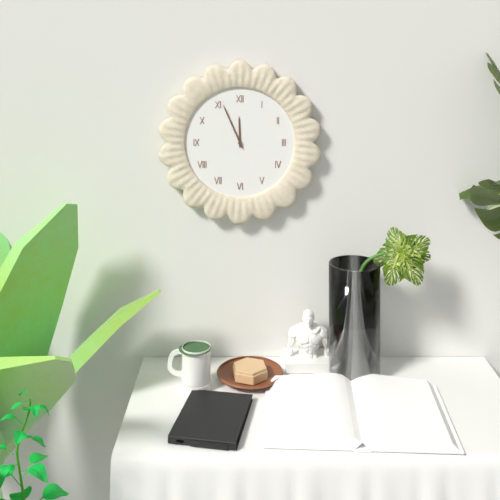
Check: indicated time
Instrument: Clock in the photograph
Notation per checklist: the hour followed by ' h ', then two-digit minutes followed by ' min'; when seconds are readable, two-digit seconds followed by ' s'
11 h 56 min
